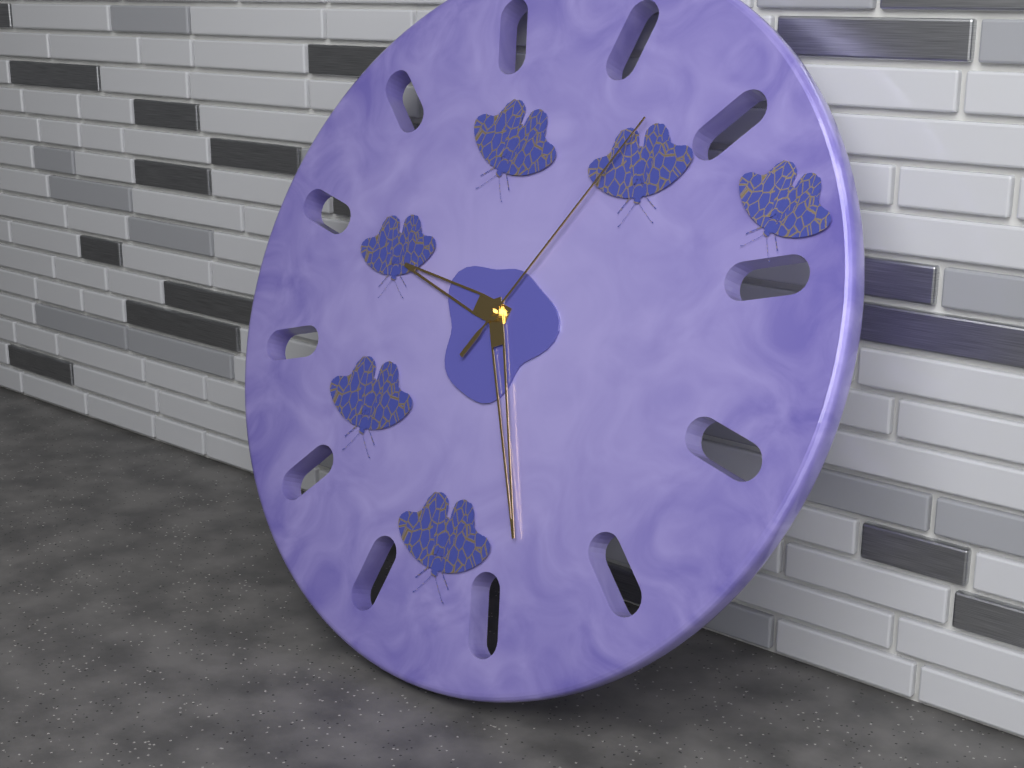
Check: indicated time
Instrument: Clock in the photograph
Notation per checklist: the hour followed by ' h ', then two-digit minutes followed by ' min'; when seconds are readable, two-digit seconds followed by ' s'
9 h 26 min 05 s
